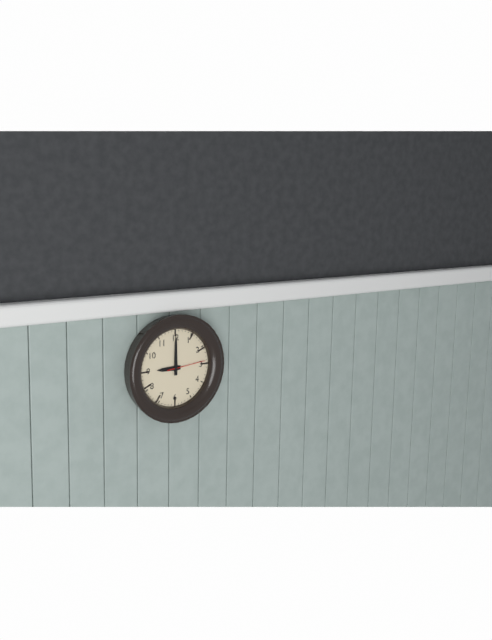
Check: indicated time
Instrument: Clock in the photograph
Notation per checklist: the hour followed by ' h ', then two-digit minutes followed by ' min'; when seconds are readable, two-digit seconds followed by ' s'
9 h 00 min
